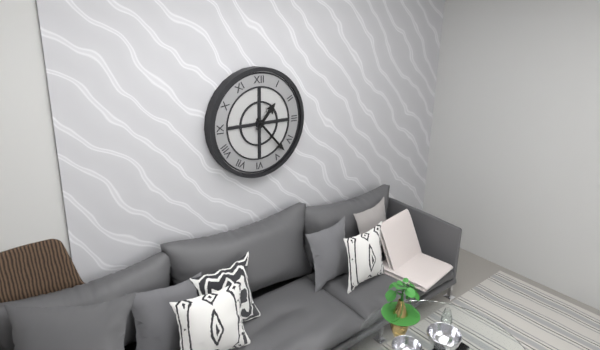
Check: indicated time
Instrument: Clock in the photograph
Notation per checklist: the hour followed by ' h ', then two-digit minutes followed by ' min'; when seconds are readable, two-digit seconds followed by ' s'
1 h 23 min
